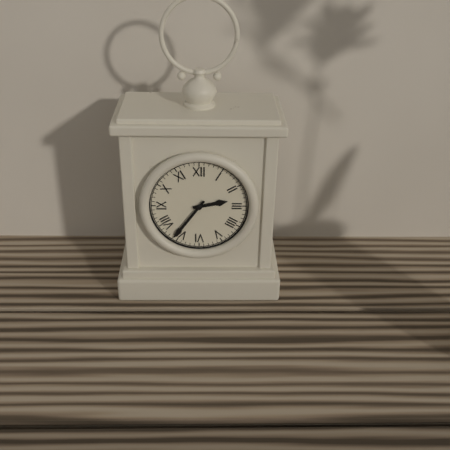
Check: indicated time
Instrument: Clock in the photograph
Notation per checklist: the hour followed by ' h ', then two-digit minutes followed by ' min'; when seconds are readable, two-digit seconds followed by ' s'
2 h 36 min
